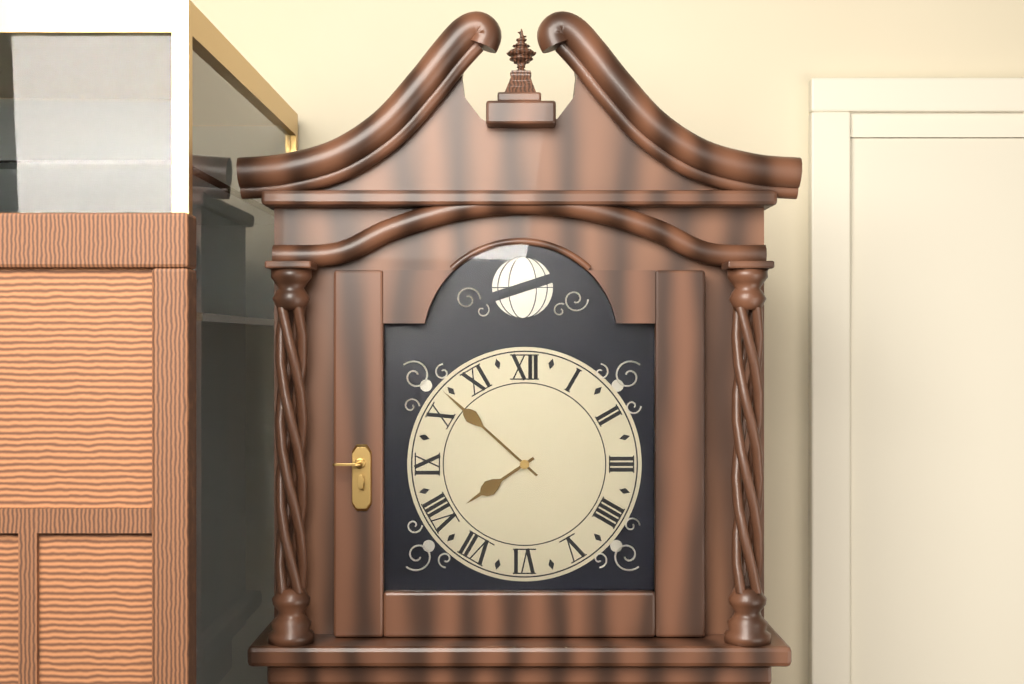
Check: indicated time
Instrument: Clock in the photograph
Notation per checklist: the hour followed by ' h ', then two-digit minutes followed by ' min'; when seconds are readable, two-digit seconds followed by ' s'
7 h 52 min
